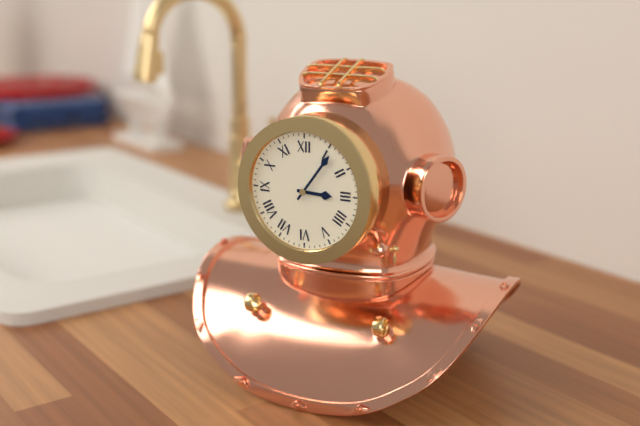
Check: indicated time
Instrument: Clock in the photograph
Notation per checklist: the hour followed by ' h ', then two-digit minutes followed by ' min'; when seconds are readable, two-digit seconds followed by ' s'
3 h 06 min
